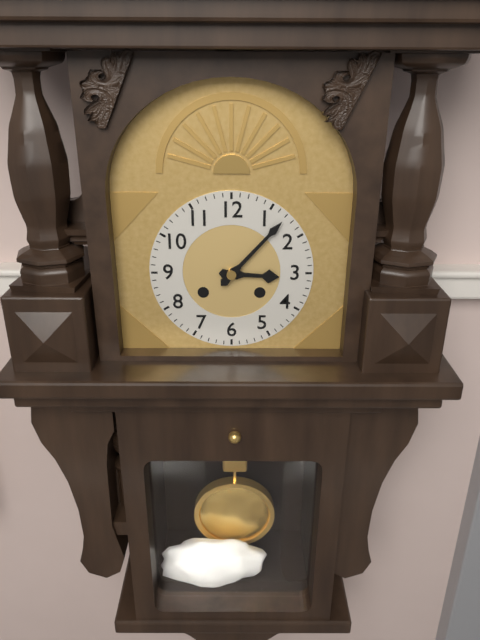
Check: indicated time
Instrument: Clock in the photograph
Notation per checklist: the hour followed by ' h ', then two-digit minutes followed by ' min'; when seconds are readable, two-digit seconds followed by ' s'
3 h 07 min
